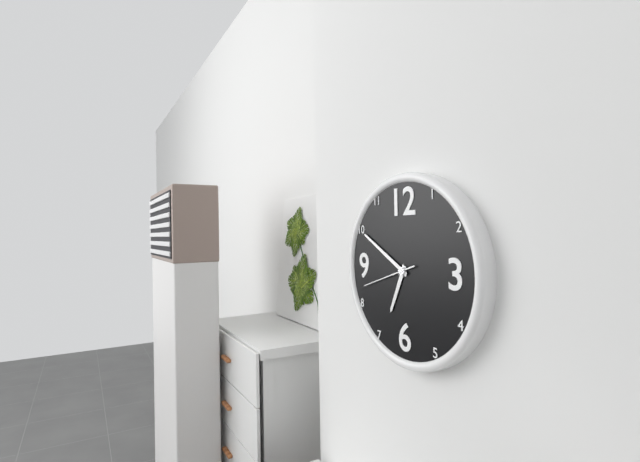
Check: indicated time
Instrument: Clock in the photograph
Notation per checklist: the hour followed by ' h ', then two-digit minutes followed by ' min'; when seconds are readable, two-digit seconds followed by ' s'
6 h 50 min 42 s
